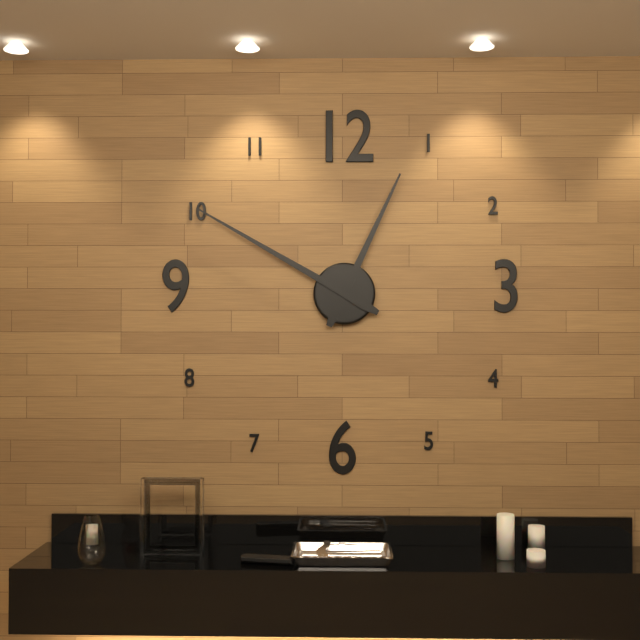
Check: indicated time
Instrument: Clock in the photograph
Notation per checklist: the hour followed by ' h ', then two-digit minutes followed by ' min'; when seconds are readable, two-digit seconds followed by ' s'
12 h 50 min
